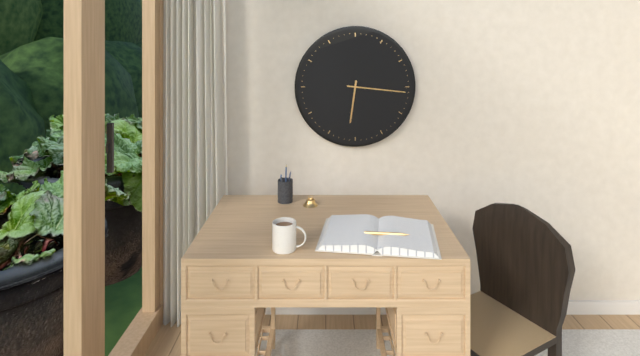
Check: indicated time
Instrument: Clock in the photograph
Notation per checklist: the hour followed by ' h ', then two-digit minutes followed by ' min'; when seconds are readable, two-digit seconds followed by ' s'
6 h 16 min
